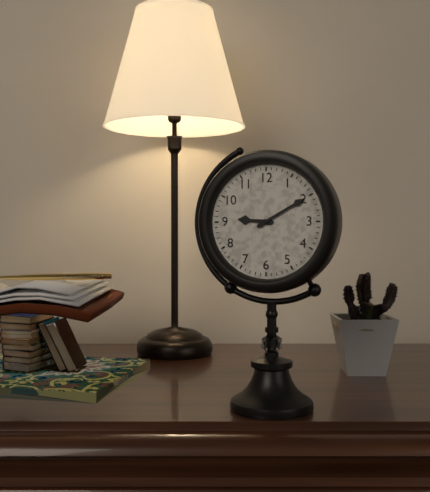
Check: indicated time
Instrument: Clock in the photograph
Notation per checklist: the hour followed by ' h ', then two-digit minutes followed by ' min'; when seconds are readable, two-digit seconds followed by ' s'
9 h 10 min
